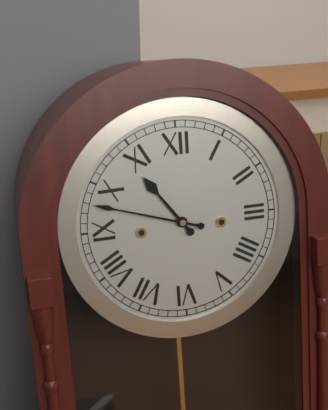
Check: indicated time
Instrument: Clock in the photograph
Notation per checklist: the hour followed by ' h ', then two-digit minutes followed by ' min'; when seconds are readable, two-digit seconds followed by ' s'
10 h 48 min
